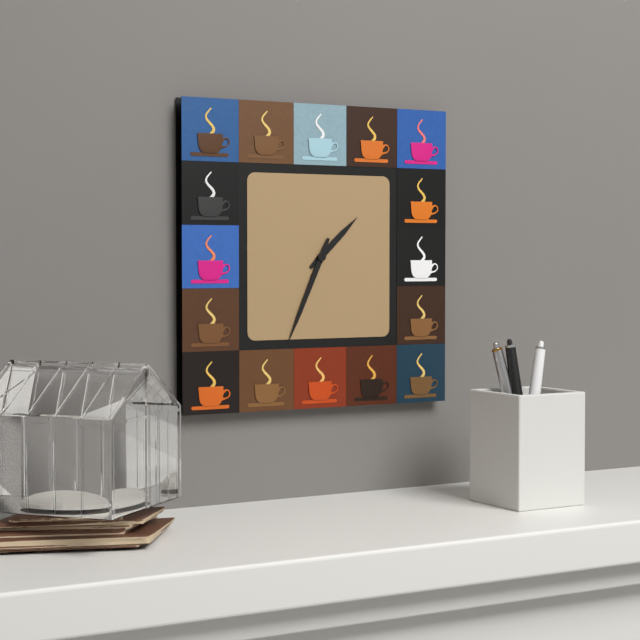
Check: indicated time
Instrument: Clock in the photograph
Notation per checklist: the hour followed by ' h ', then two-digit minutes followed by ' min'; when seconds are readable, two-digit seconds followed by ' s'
1 h 34 min
